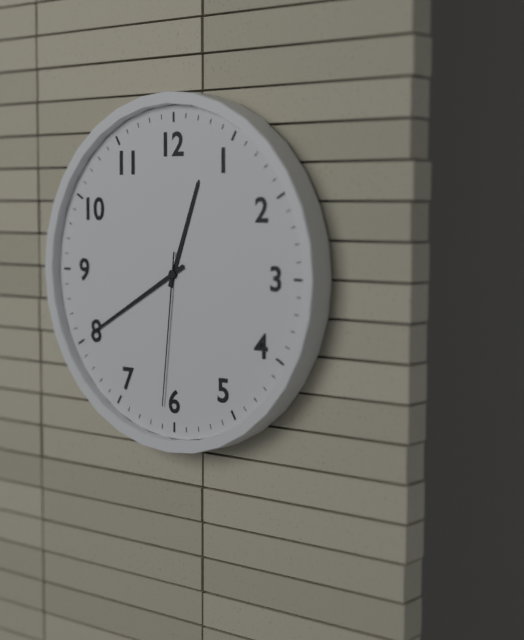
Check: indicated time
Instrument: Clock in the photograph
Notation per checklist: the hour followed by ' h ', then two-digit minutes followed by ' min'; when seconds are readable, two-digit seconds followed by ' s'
12 h 40 min 31 s
